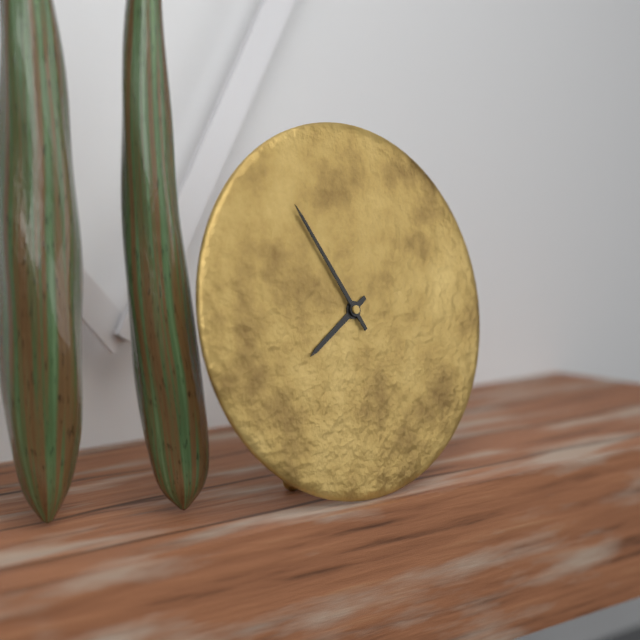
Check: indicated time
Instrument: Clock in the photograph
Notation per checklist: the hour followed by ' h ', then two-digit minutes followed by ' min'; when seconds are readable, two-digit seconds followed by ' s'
7 h 55 min
